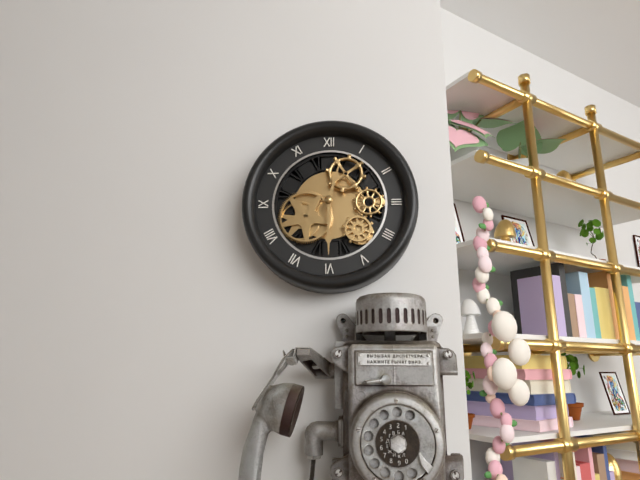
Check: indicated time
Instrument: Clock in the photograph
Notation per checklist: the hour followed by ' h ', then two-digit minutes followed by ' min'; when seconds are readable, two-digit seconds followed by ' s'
12 h 30 min
